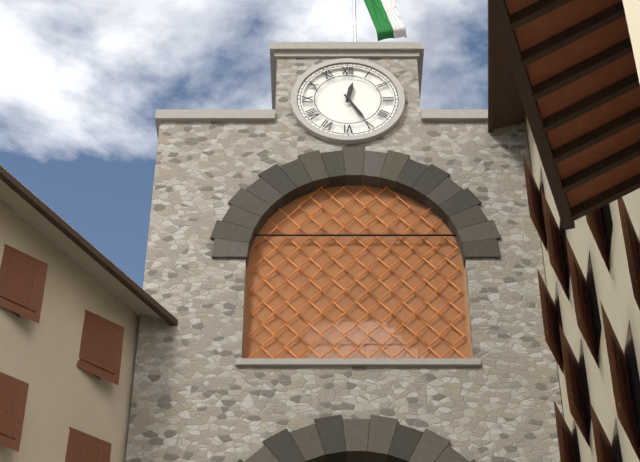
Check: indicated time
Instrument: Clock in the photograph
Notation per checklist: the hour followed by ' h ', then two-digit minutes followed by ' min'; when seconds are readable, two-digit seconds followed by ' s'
12 h 25 min
